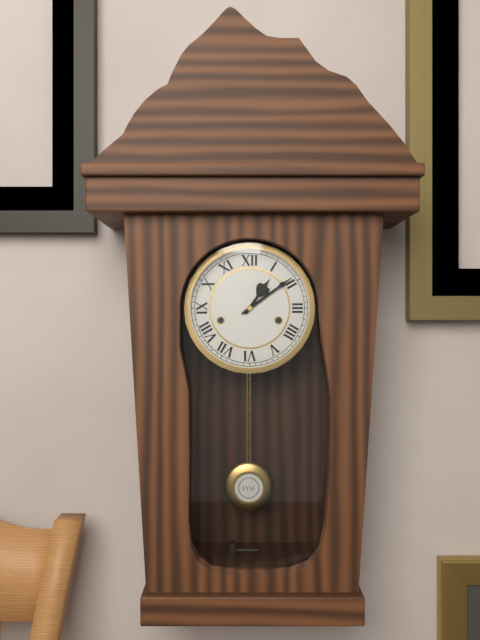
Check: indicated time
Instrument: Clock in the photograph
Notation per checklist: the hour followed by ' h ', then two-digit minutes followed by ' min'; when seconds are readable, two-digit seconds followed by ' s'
1 h 09 min
